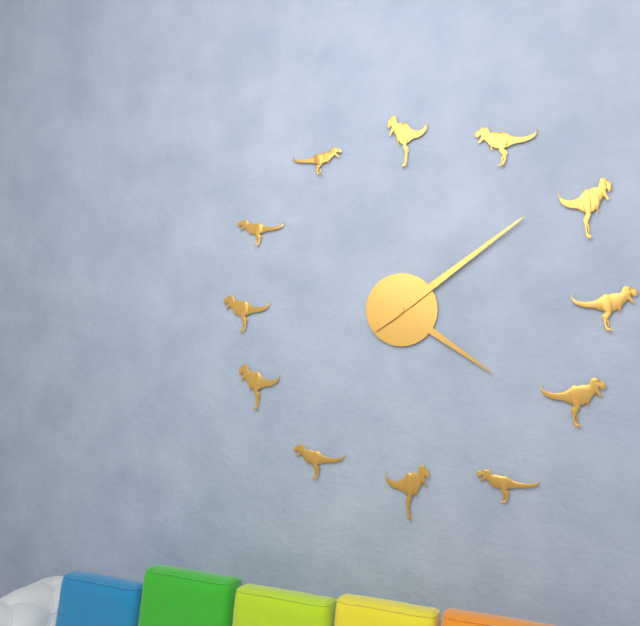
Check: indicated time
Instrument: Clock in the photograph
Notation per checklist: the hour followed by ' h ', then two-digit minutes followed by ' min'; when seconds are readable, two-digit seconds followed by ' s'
4 h 09 min
